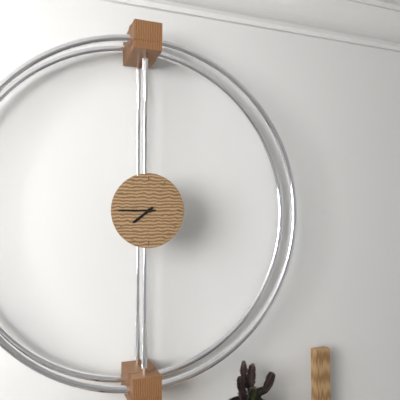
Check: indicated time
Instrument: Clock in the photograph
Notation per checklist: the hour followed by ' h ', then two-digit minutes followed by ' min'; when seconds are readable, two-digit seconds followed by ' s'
7 h 45 min
